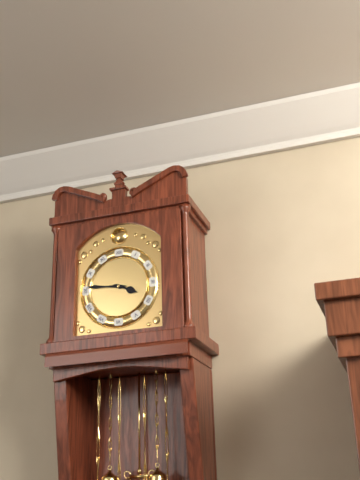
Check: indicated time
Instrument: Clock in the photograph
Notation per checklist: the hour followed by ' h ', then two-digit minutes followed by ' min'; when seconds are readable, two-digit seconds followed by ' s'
3 h 46 min
